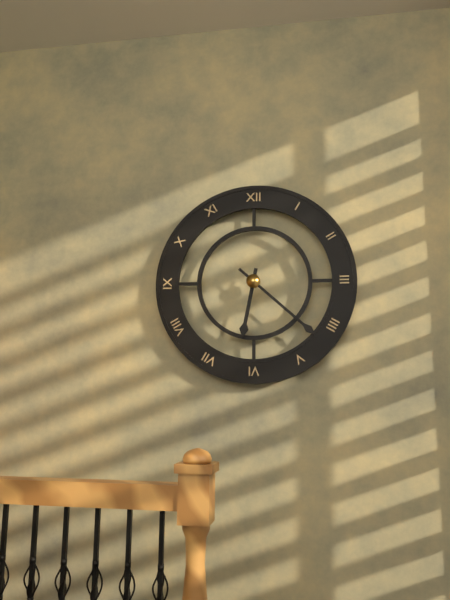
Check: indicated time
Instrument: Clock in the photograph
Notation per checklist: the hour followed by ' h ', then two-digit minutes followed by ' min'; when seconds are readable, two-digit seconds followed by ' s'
6 h 22 min
